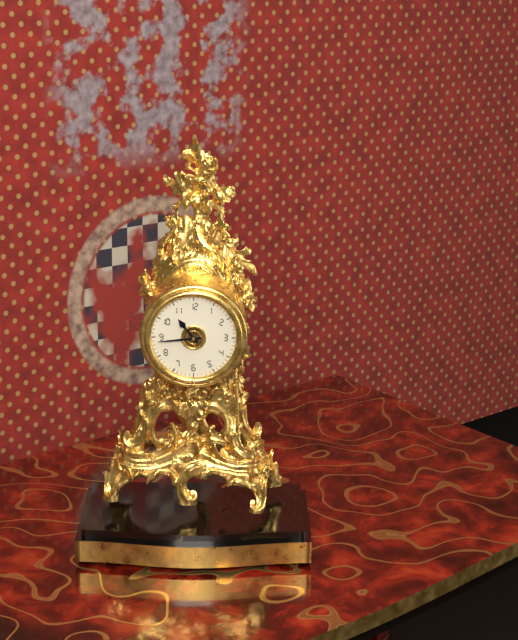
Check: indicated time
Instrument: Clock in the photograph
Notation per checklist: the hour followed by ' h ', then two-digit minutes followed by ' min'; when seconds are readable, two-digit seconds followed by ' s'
10 h 44 min
